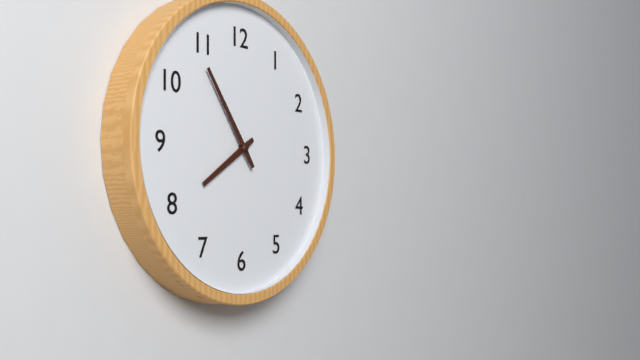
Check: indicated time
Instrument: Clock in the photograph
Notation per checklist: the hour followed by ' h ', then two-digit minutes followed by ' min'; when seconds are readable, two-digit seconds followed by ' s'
7 h 54 min
